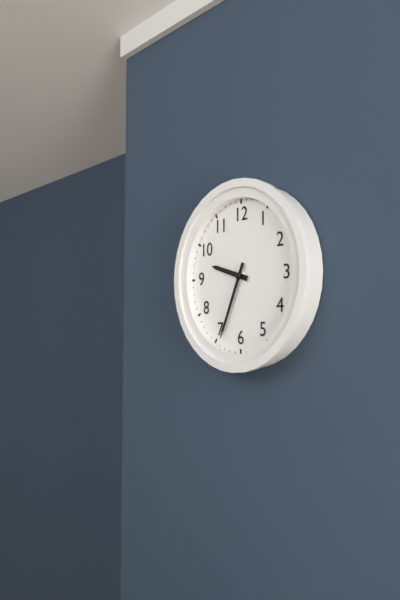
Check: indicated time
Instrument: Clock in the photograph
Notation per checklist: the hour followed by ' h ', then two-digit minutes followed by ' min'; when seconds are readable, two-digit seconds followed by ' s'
9 h 34 min
